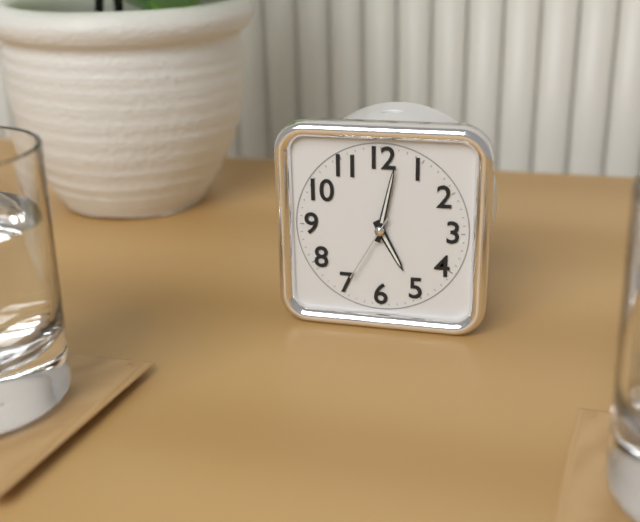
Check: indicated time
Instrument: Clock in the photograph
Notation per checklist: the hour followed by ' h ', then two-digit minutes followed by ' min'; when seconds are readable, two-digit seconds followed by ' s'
5 h 02 min 35 s
